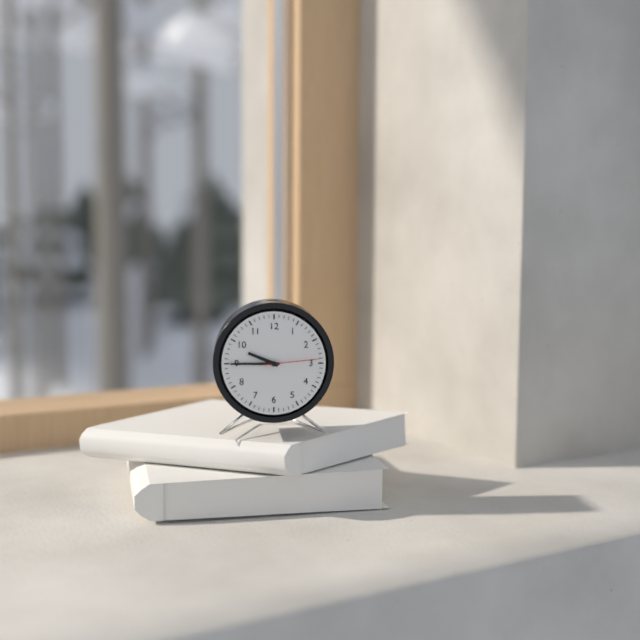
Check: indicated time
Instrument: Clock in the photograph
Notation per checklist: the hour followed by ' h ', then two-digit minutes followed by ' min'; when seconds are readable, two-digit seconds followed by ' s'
9 h 45 min 14 s
